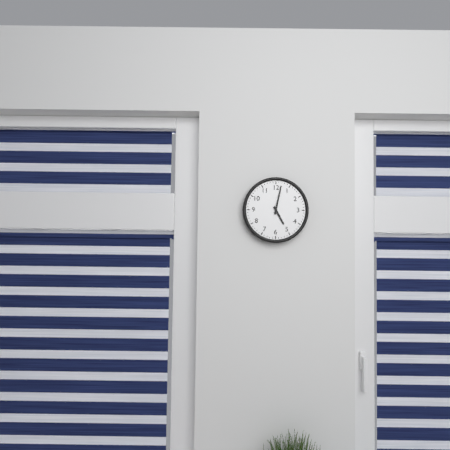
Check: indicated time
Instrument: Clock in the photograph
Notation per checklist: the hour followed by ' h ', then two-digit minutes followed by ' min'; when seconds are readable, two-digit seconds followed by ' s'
5 h 02 min
